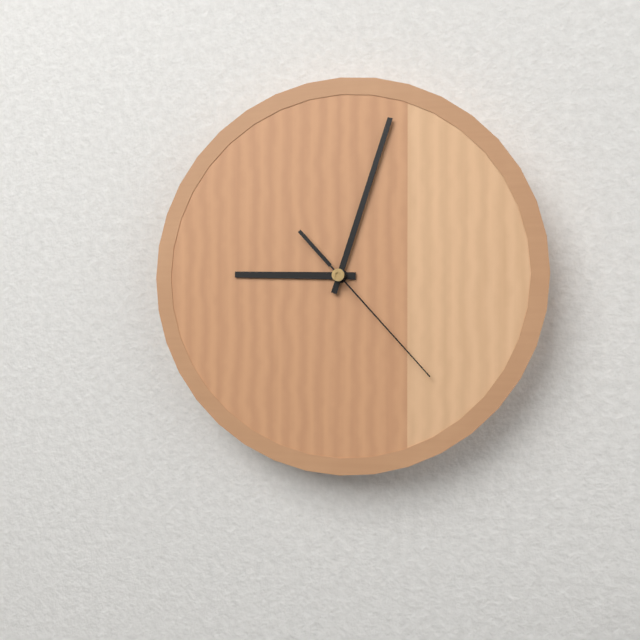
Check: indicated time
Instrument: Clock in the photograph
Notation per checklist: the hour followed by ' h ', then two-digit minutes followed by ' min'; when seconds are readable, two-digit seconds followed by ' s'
9 h 03 min 23 s
